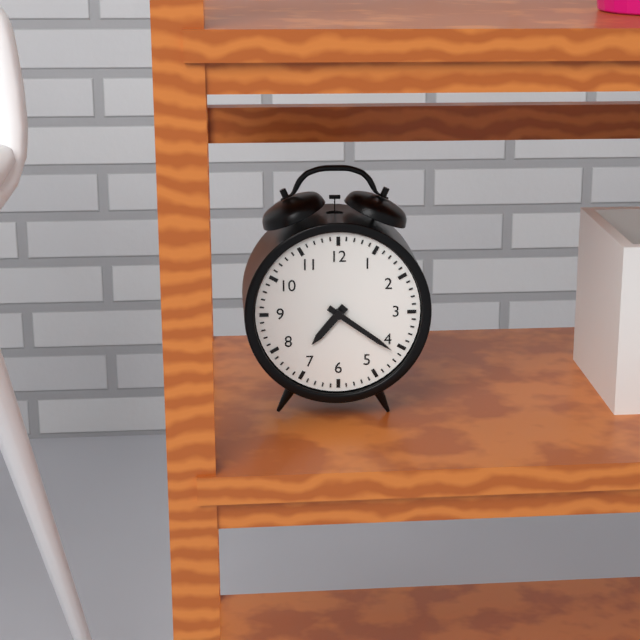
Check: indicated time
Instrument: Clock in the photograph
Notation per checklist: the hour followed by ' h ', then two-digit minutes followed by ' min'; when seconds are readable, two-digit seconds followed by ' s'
7 h 21 min
